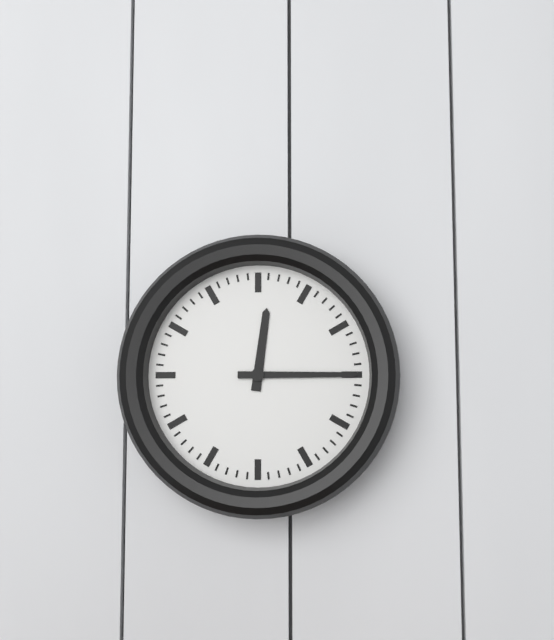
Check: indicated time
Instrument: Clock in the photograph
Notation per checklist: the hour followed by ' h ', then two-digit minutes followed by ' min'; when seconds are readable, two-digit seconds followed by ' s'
12 h 15 min
